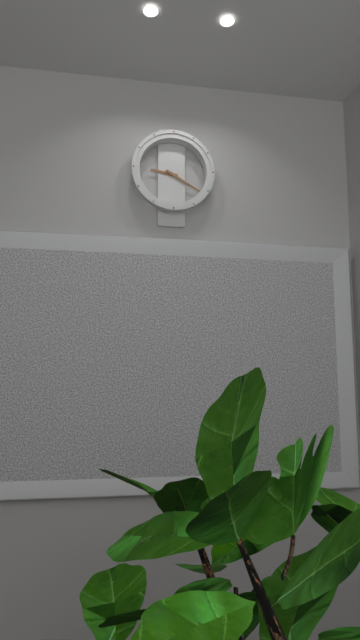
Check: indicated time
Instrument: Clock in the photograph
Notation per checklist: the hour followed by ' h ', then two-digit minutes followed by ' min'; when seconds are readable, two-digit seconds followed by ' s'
9 h 20 min
